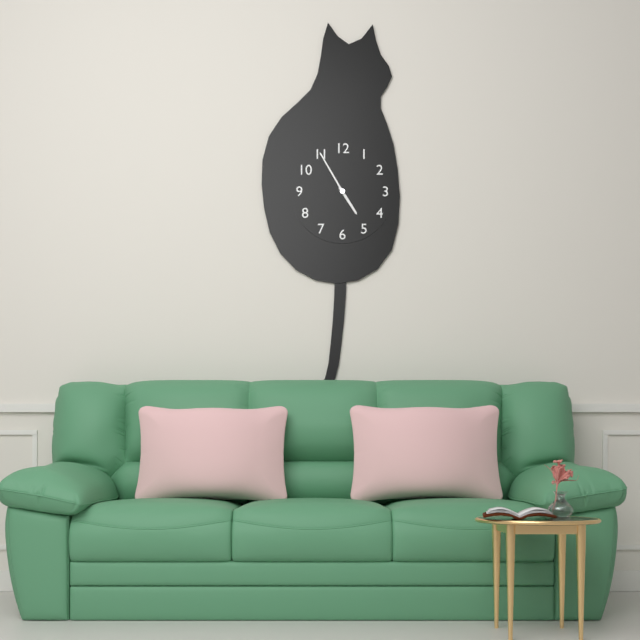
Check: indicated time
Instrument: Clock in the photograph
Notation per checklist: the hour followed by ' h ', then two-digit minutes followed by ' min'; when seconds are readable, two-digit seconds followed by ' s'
4 h 55 min
